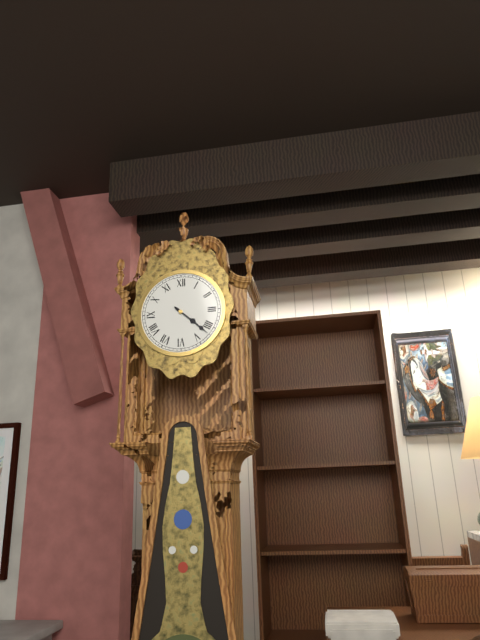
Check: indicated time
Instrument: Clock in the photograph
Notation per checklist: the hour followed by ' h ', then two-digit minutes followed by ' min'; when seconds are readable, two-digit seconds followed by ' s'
4 h 22 min
